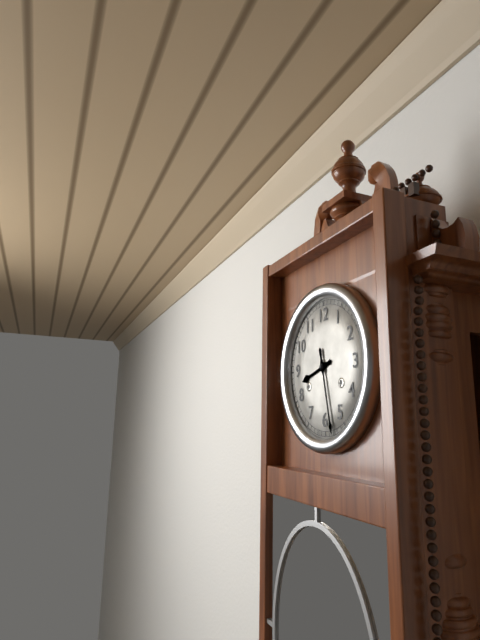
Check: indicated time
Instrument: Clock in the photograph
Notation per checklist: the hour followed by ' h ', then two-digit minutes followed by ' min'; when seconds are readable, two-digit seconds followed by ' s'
8 h 28 min
